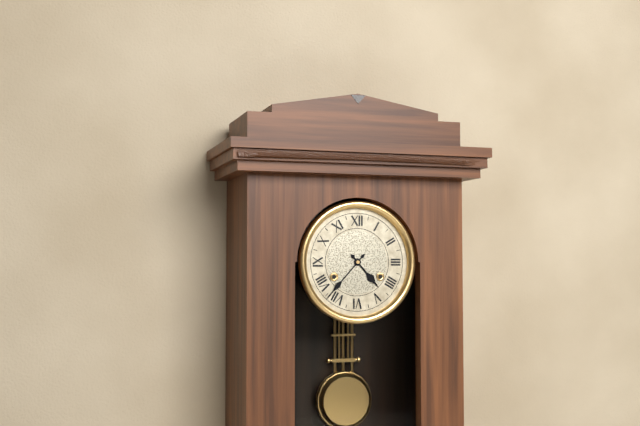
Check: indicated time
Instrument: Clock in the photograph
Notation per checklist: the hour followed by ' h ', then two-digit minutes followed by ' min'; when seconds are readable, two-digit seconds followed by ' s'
4 h 37 min
